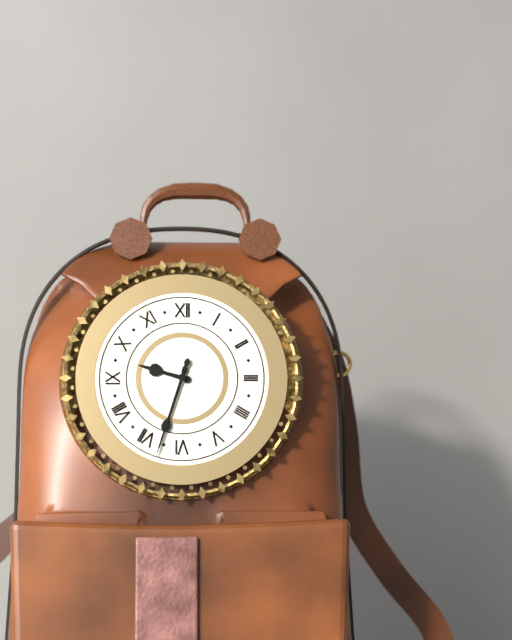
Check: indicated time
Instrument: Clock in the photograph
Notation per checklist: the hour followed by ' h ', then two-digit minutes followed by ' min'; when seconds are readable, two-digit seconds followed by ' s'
9 h 33 min 33 s
